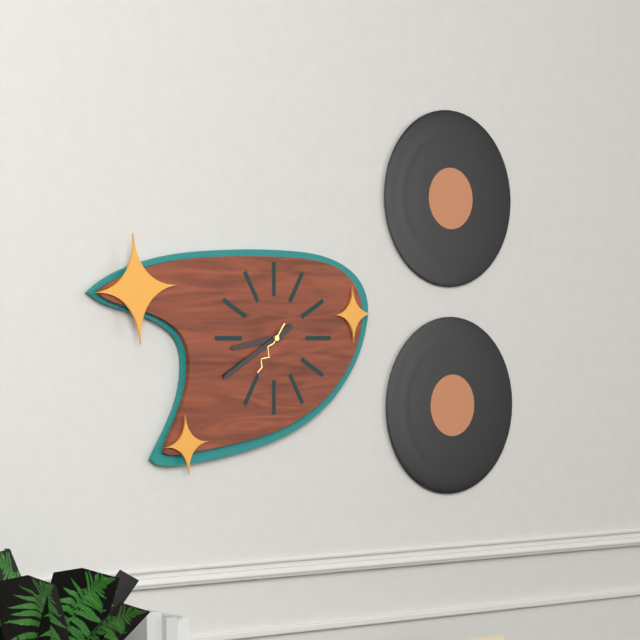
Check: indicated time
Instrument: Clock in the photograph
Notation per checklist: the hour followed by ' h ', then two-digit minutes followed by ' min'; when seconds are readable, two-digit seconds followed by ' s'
8 h 40 min
